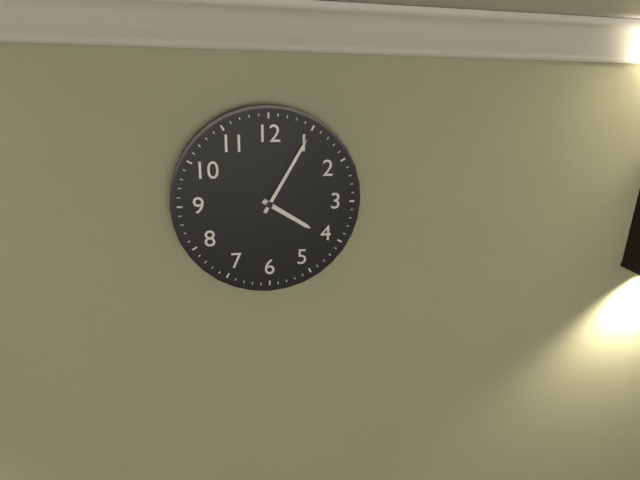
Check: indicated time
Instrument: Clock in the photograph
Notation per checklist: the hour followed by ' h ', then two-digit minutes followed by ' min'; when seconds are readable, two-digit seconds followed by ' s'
4 h 05 min
